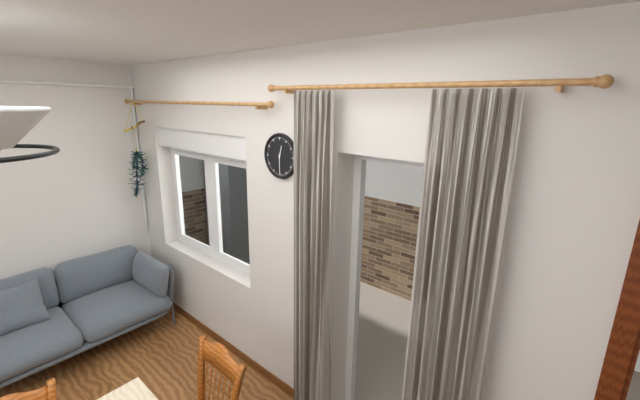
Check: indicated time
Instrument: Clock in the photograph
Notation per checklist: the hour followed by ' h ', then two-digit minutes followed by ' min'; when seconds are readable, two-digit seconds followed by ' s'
12 h 30 min
